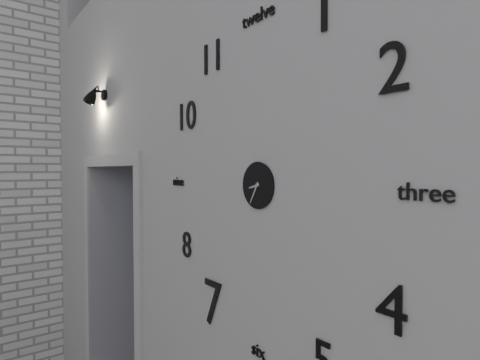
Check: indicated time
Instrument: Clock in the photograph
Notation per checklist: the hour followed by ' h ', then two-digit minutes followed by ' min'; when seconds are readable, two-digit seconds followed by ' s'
8 h 35 min
